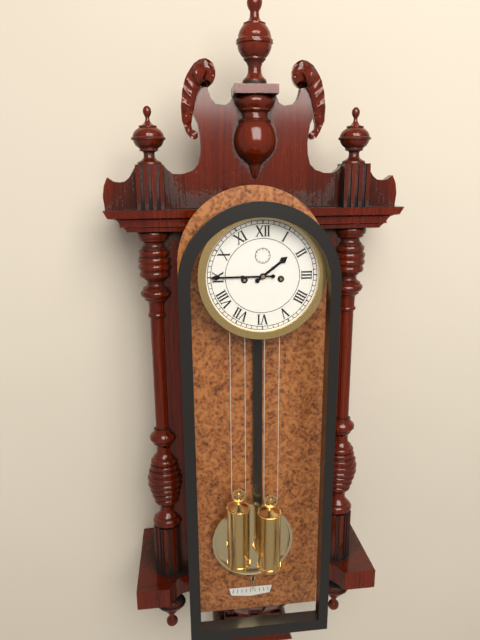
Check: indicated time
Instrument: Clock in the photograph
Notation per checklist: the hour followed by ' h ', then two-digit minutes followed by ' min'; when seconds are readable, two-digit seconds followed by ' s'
1 h 45 min
